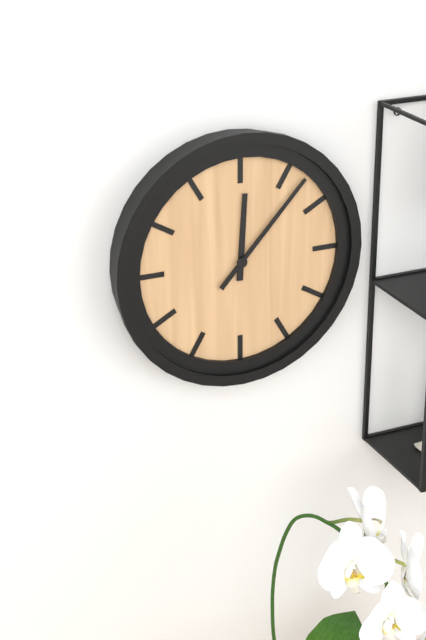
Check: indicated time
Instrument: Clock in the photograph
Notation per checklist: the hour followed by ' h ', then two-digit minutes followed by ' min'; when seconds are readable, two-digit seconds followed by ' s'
12 h 07 min
